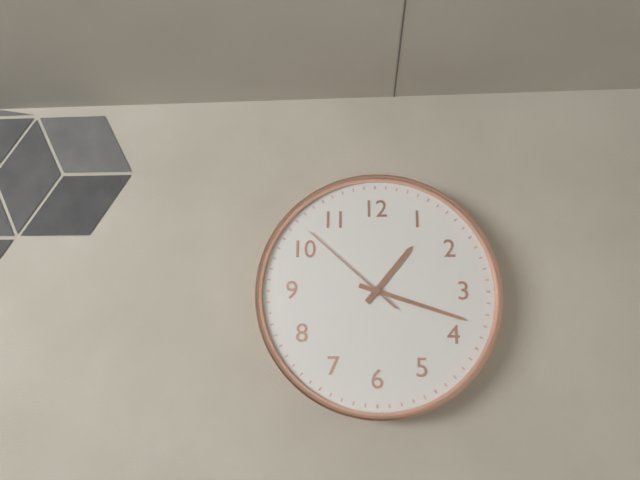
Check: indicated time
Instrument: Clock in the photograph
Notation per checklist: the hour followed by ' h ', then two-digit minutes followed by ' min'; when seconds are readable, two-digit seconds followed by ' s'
1 h 18 min 52 s
